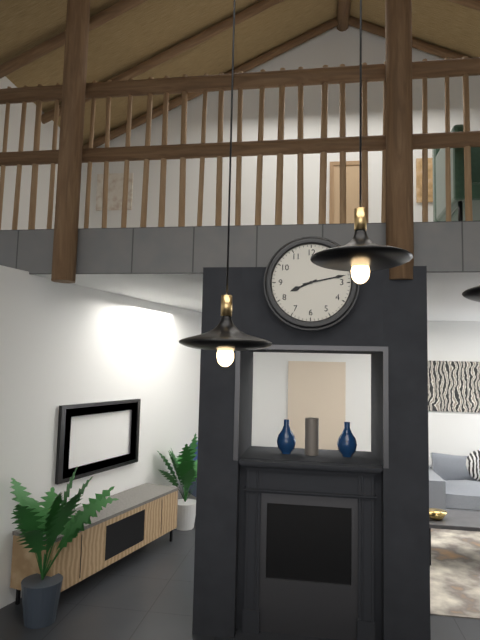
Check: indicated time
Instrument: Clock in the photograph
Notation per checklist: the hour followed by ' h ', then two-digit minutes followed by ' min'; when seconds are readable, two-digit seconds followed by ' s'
8 h 13 min
